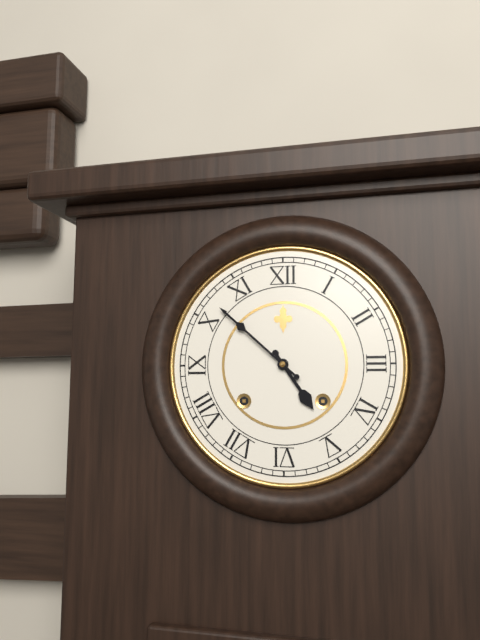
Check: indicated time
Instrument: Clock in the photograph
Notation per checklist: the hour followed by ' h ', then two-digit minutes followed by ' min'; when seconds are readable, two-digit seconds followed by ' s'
4 h 52 min
